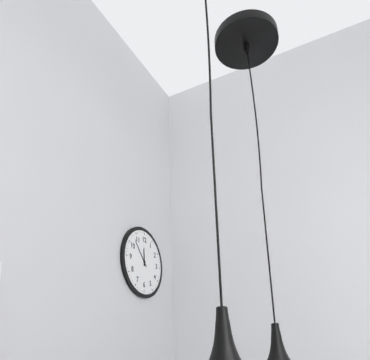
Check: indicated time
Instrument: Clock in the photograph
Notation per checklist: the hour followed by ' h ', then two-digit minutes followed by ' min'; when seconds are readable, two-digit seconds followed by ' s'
11 h 53 min
